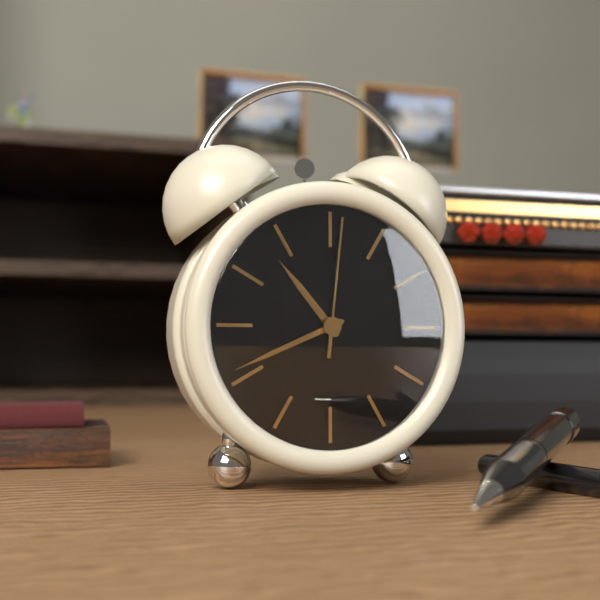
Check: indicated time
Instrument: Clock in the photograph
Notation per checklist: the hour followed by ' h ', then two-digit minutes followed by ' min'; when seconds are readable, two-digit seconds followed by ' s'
10 h 41 min 01 s
